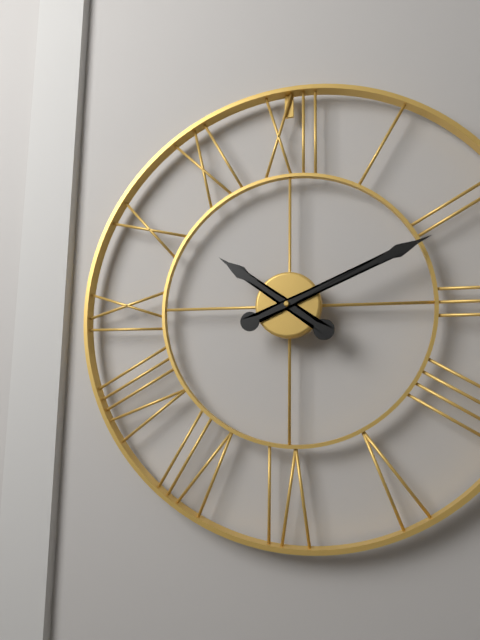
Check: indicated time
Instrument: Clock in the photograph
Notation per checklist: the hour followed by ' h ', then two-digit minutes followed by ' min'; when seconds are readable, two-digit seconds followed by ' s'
10 h 11 min
